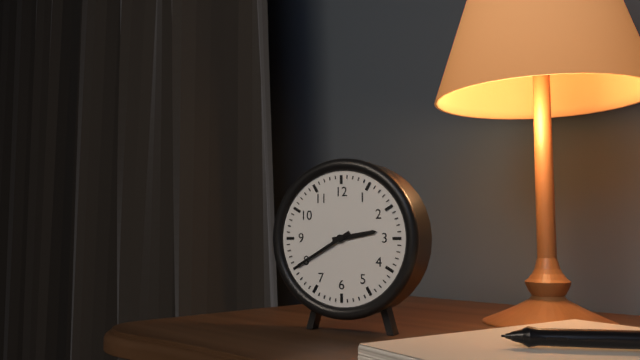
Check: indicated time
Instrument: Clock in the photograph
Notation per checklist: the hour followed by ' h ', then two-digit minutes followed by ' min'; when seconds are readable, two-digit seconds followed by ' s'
2 h 40 min
